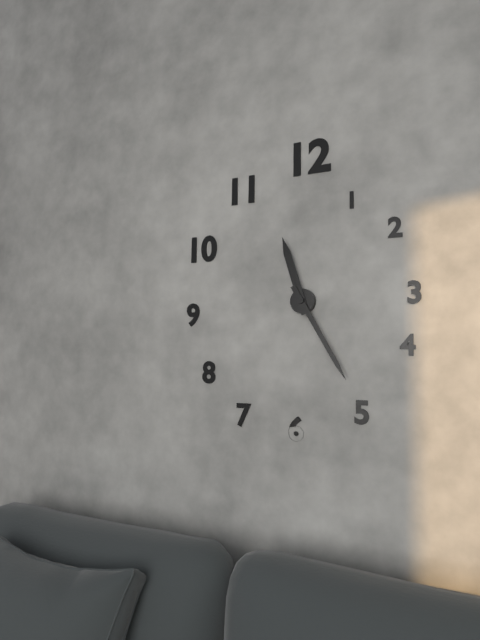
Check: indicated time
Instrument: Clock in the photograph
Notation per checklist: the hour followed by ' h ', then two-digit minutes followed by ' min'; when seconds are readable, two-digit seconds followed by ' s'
11 h 25 min
